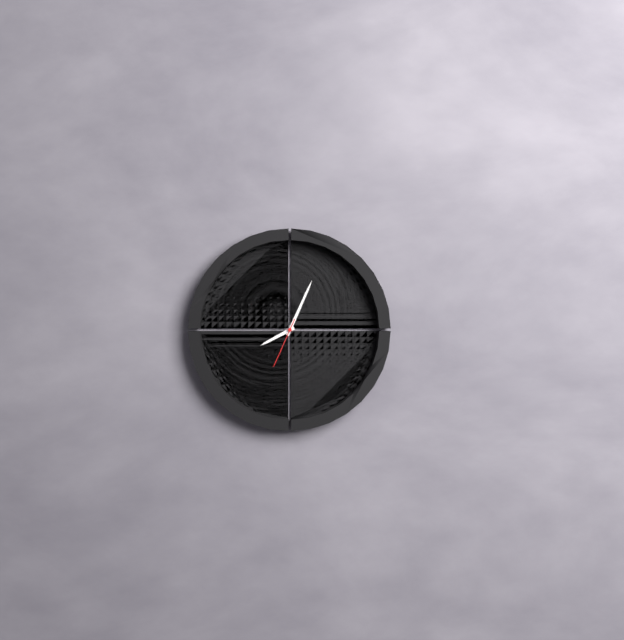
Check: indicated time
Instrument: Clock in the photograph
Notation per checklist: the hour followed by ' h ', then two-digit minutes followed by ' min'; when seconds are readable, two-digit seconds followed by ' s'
8 h 04 min 34 s
